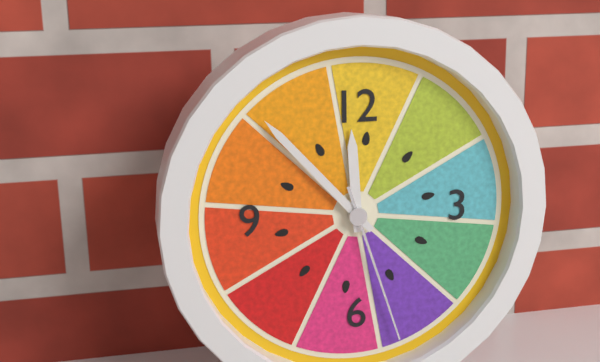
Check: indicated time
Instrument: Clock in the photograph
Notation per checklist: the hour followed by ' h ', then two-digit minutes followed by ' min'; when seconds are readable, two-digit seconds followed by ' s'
11 h 53 min 27 s
